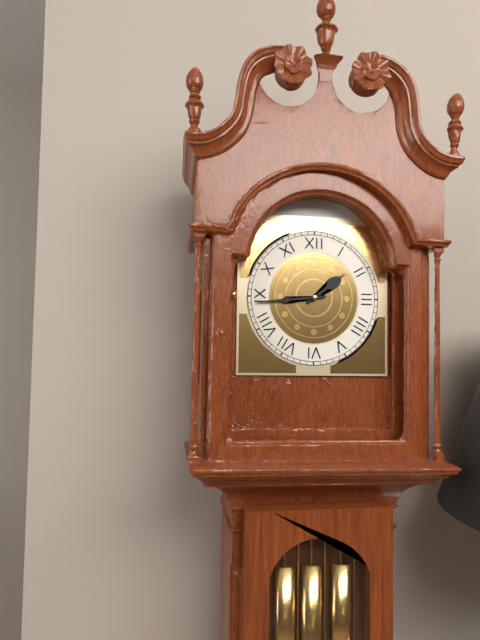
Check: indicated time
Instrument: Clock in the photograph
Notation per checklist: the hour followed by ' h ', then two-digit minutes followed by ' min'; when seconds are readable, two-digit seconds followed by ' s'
1 h 44 min
